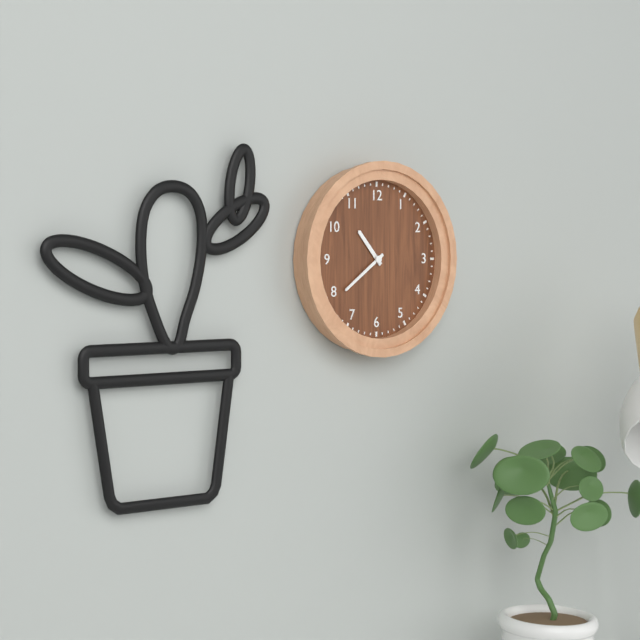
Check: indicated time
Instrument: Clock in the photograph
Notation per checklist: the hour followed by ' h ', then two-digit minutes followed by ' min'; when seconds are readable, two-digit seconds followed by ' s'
10 h 39 min
